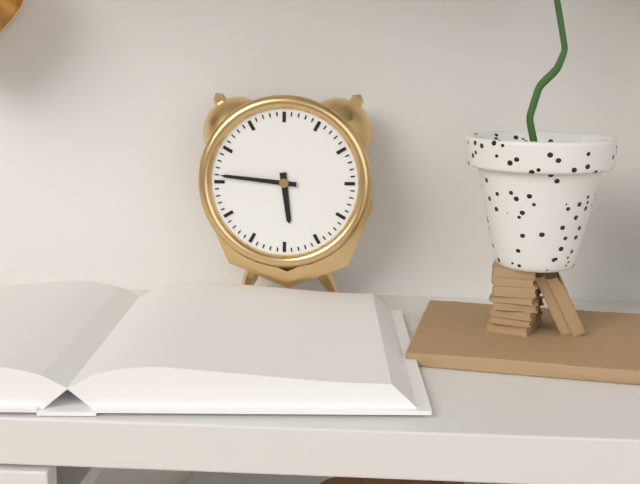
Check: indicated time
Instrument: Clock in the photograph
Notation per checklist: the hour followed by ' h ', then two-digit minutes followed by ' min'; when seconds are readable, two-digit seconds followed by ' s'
5 h 46 min
